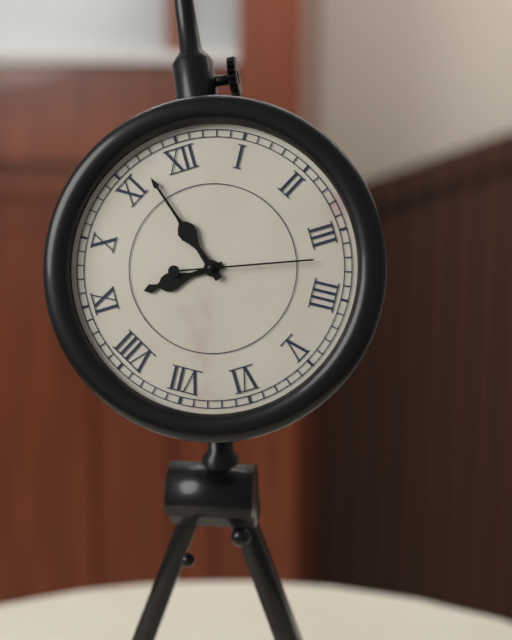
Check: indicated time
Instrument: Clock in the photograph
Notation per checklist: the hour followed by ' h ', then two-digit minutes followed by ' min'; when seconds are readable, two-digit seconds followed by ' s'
8 h 57 min 17 s
